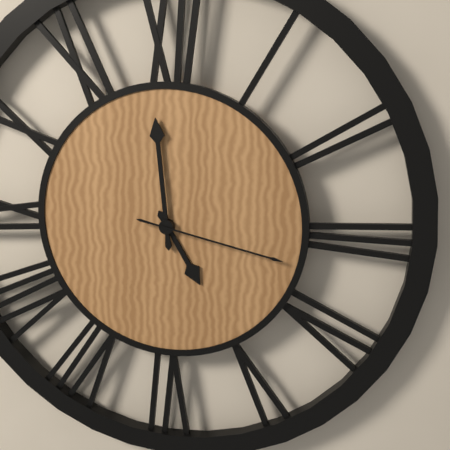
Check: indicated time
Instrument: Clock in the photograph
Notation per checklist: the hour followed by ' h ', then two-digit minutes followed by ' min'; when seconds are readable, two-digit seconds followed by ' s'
4 h 59 min 17 s
